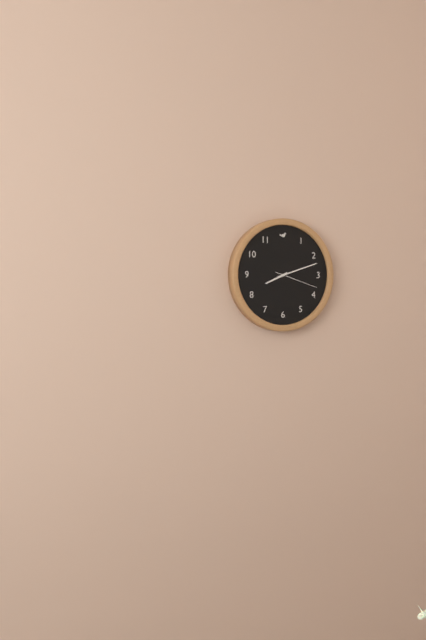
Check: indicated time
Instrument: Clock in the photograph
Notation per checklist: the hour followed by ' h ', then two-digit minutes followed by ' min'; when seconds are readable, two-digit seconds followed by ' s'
8 h 12 min 18 s
